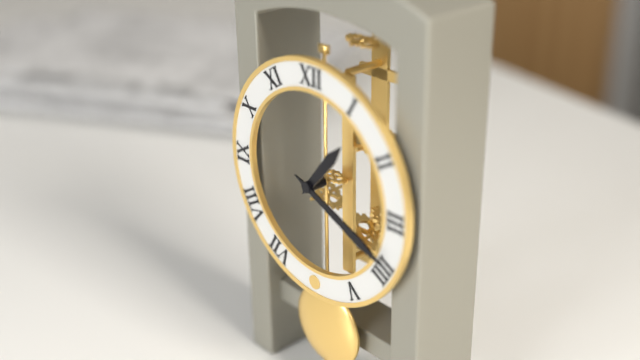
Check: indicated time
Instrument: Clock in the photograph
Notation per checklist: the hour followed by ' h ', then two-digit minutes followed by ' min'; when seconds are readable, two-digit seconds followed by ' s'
1 h 19 min
